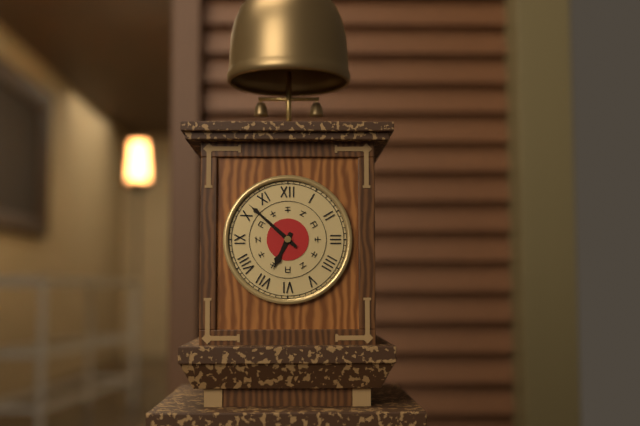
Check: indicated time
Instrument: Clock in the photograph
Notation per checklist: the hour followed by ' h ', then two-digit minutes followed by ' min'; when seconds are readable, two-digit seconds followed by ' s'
6 h 52 min
